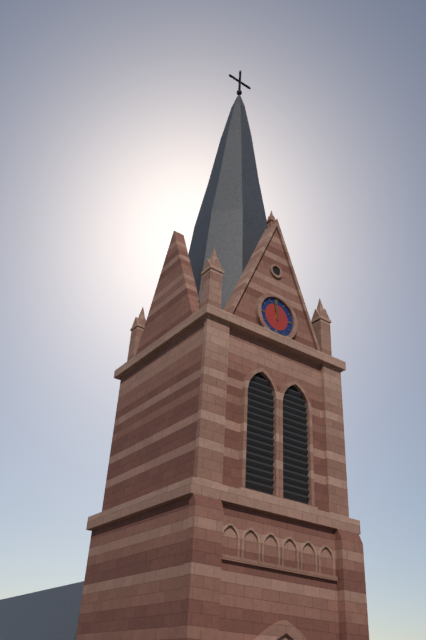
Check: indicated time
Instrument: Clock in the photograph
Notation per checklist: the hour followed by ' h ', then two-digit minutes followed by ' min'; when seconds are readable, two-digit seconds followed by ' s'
11 h 58 min
